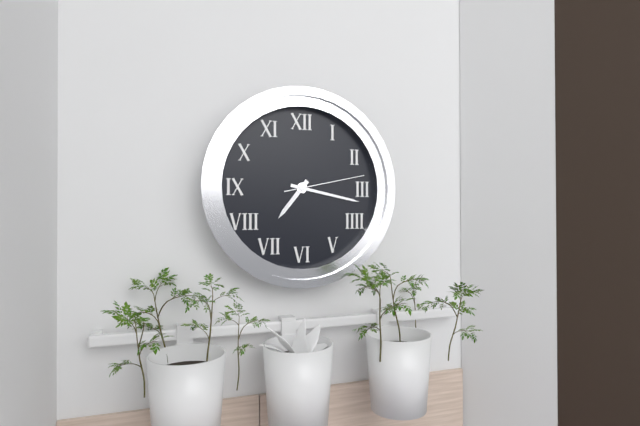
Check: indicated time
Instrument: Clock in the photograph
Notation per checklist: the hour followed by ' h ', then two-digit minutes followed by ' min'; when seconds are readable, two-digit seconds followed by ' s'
7 h 17 min 13 s
